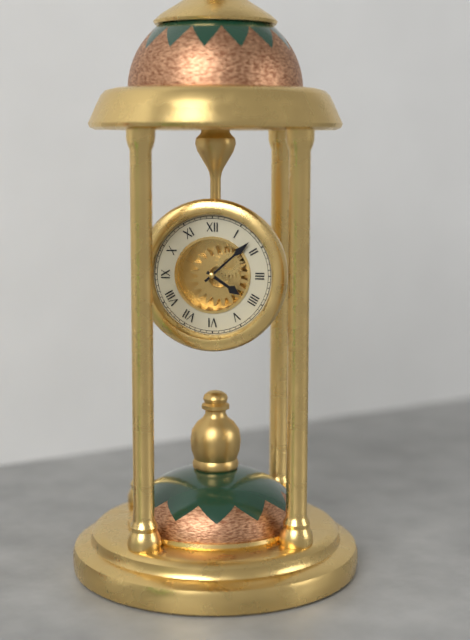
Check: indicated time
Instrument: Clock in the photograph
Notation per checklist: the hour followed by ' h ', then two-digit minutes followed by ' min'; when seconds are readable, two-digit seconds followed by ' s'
4 h 08 min
